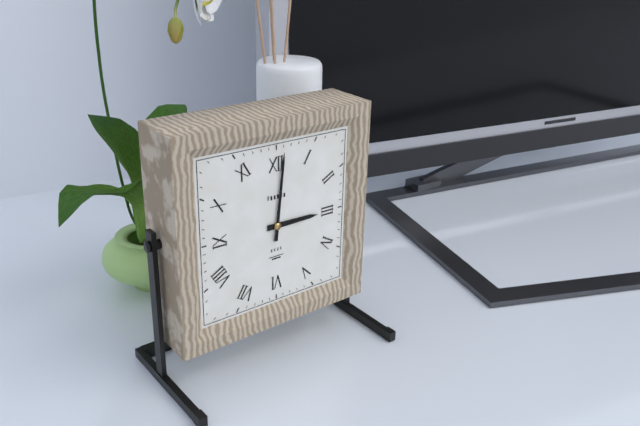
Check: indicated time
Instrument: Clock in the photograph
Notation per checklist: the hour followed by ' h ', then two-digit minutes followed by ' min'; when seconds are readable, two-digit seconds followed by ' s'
3 h 01 min
